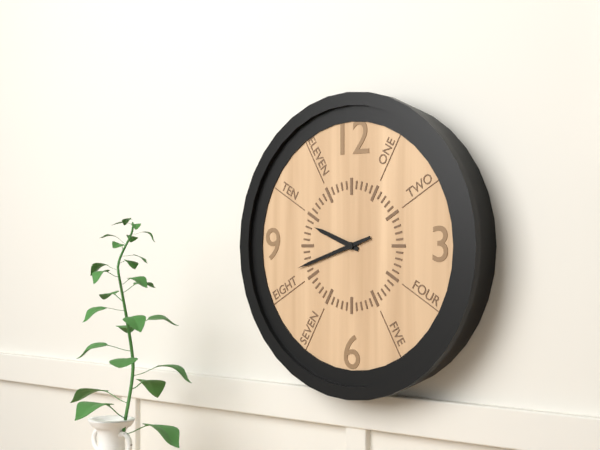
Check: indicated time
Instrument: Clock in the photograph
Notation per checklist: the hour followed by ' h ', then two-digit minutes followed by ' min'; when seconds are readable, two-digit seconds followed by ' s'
9 h 42 min
